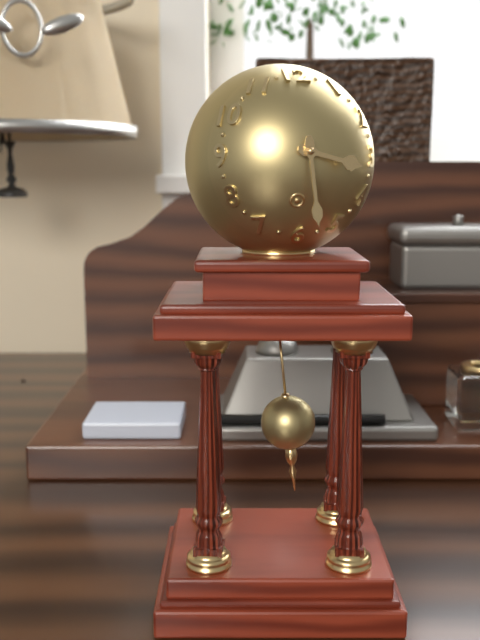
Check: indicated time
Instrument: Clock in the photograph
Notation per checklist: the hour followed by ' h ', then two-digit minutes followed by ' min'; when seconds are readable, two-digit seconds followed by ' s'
3 h 29 min
